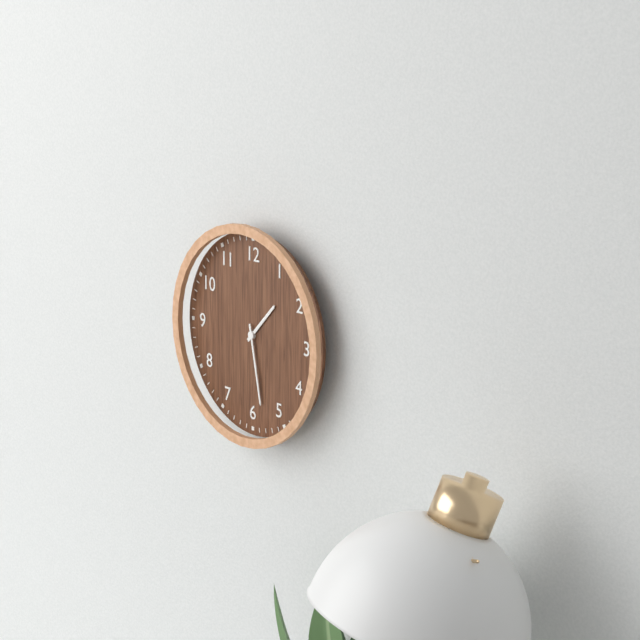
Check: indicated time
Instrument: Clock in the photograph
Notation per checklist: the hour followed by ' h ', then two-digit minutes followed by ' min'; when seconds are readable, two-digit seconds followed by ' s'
1 h 28 min
